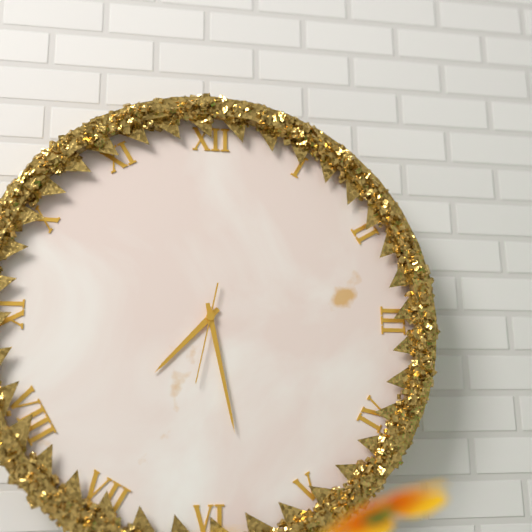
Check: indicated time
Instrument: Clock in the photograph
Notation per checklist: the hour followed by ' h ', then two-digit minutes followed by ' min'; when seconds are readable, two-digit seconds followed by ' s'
7 h 28 min 32 s
